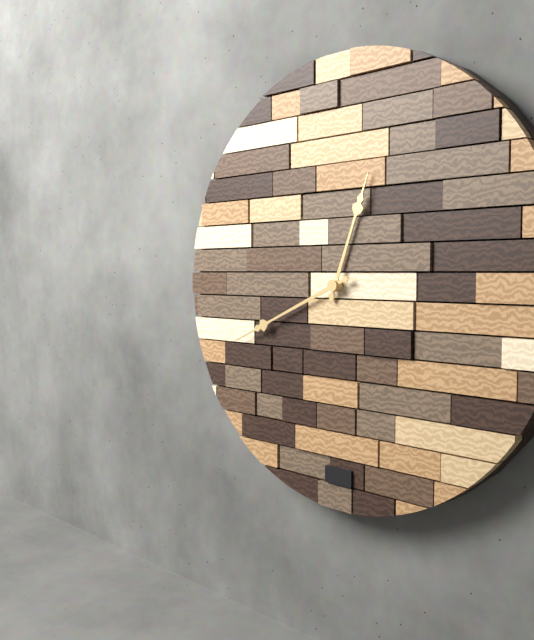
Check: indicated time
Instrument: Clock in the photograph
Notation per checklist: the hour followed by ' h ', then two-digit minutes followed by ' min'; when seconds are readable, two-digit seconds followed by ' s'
12 h 41 min
